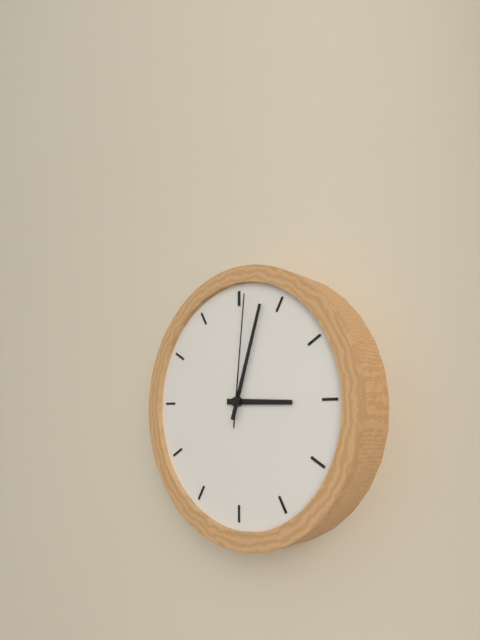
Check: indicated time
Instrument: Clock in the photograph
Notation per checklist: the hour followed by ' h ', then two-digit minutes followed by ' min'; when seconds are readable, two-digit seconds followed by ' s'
3 h 03 min 01 s
